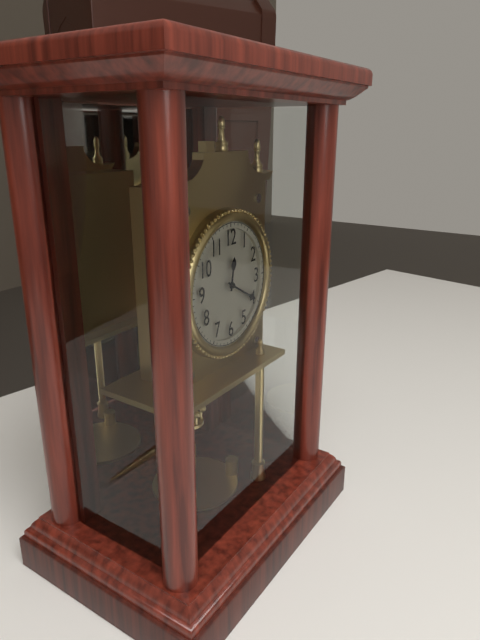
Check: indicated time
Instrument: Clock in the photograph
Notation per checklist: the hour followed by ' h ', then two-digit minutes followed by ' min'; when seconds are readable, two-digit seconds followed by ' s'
12 h 20 min
